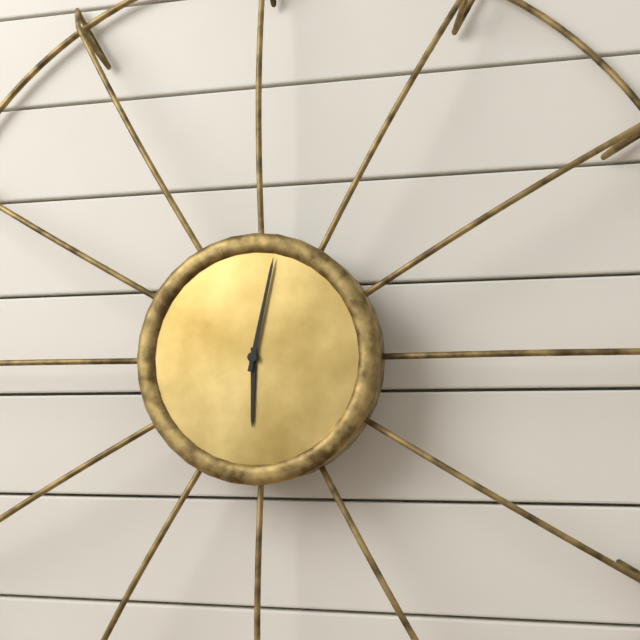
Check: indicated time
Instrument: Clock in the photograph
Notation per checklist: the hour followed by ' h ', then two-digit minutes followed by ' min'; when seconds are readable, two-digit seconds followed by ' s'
6 h 02 min
